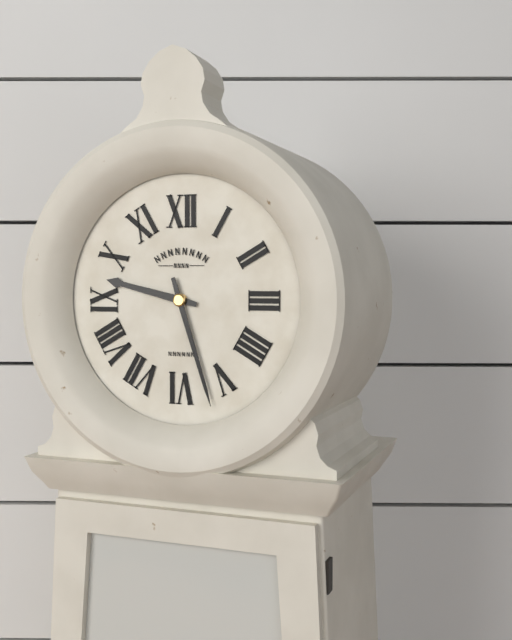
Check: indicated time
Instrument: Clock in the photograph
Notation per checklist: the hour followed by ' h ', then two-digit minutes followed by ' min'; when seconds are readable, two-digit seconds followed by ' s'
9 h 27 min
